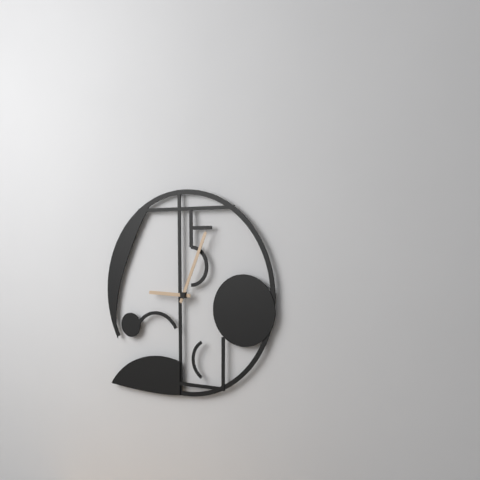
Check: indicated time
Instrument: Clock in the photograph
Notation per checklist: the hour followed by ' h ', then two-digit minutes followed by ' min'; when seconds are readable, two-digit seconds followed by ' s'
9 h 04 min
